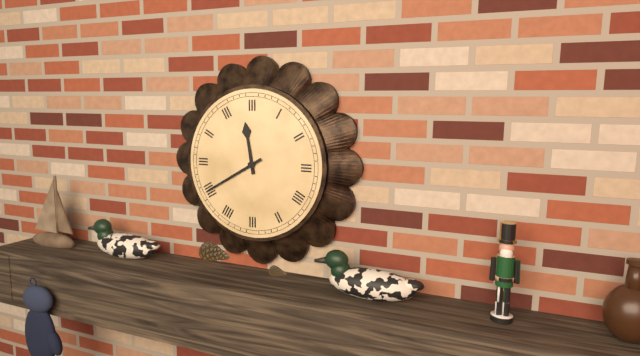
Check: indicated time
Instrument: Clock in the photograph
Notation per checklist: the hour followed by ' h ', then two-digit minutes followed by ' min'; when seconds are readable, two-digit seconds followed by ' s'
11 h 40 min
